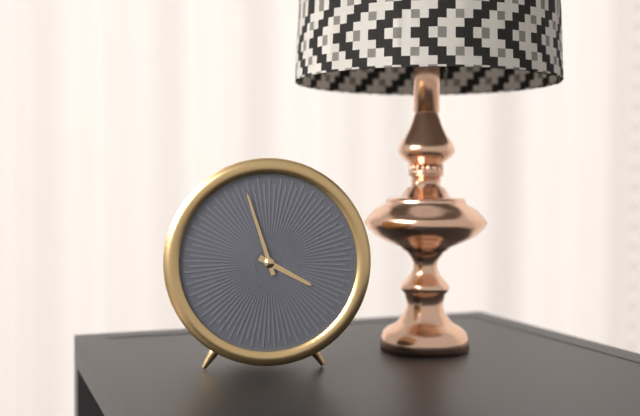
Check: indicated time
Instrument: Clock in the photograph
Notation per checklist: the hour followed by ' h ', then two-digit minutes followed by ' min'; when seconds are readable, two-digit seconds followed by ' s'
3 h 57 min
